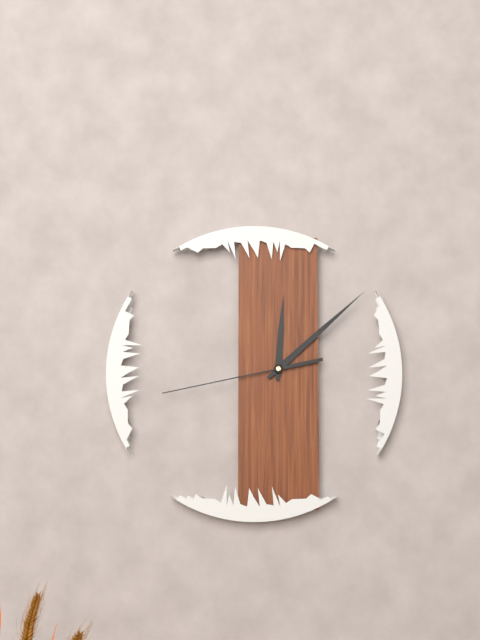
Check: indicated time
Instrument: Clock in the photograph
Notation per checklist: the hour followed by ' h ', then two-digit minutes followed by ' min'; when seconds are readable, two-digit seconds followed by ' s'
12 h 08 min 43 s
